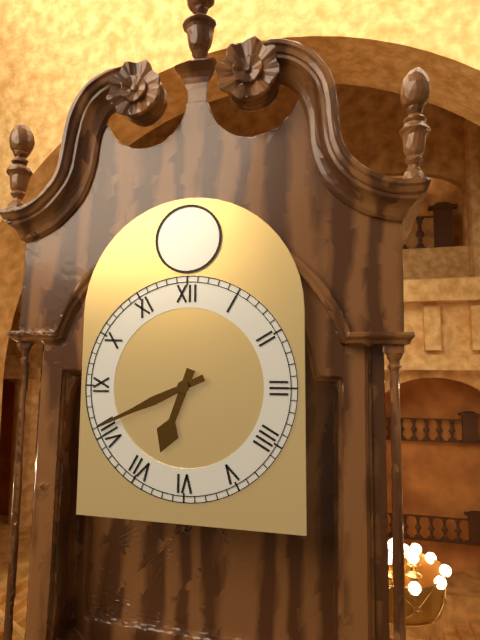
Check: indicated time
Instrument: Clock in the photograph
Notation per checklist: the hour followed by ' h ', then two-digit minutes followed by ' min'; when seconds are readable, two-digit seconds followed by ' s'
6 h 41 min
